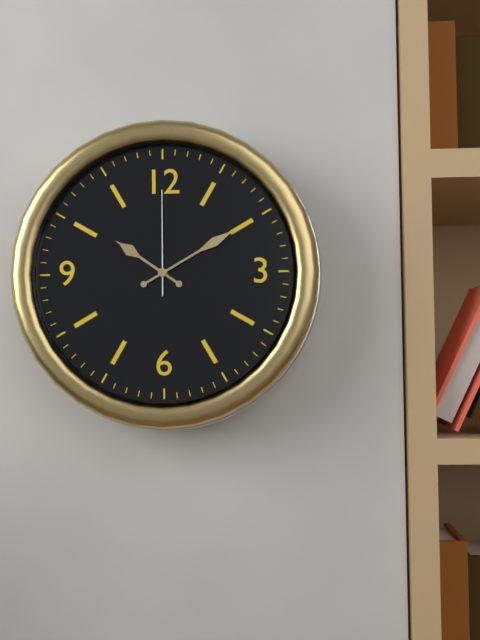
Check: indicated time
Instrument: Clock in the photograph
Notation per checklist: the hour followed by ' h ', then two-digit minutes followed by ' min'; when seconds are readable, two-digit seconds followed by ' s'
10 h 10 min 00 s
